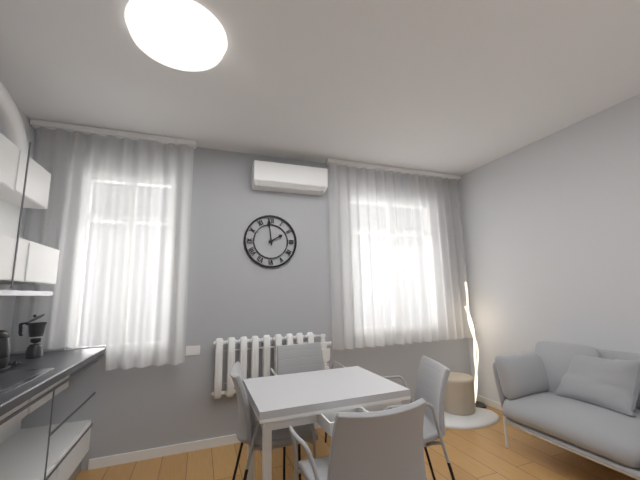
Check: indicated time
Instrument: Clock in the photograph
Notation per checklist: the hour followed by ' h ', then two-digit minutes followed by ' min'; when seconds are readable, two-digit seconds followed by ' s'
1 h 59 min
